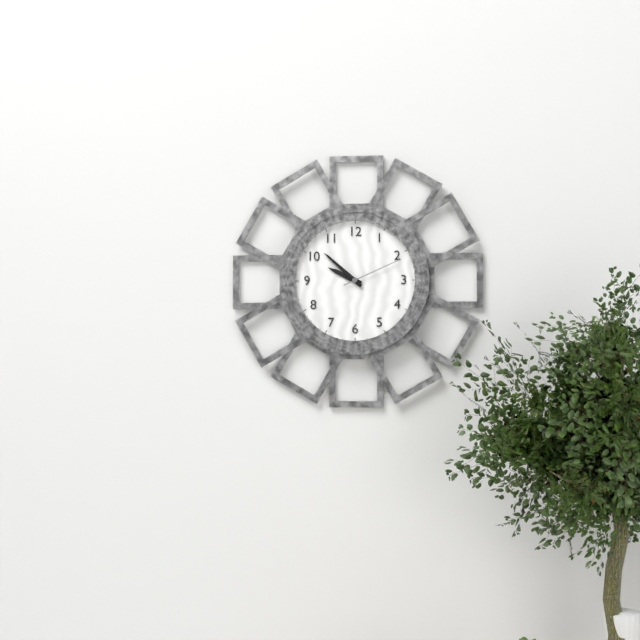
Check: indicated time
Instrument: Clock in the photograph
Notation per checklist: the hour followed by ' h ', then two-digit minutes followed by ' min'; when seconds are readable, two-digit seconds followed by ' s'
9 h 52 min 11 s
